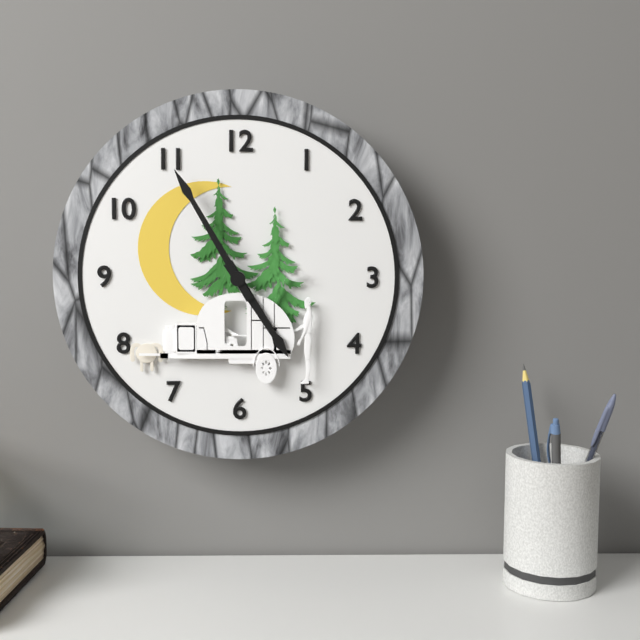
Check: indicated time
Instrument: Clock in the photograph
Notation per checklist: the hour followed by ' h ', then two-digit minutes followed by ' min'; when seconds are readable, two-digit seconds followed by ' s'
4 h 55 min
